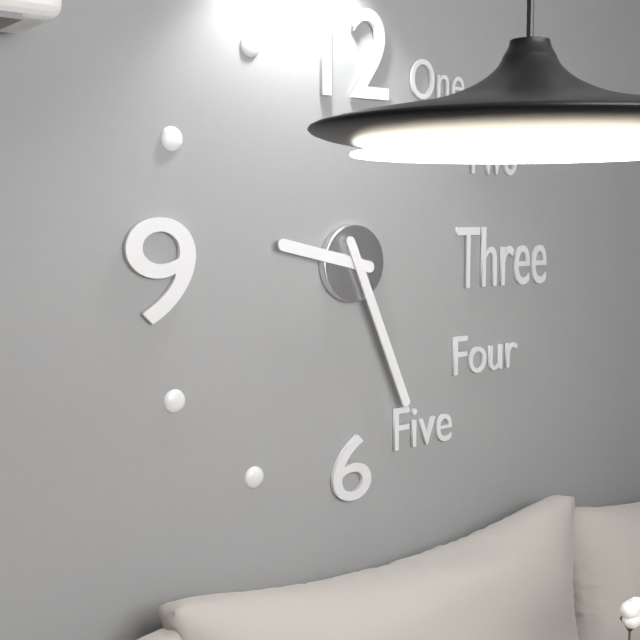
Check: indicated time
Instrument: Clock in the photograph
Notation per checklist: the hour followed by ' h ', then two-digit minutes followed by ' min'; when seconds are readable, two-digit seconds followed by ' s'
9 h 26 min
